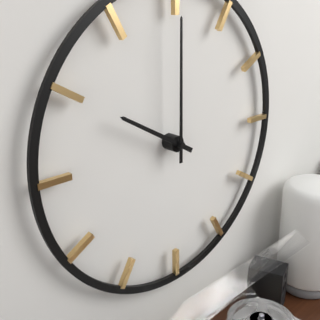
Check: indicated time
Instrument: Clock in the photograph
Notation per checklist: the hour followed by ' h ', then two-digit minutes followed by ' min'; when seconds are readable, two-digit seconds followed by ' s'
10 h 00 min
